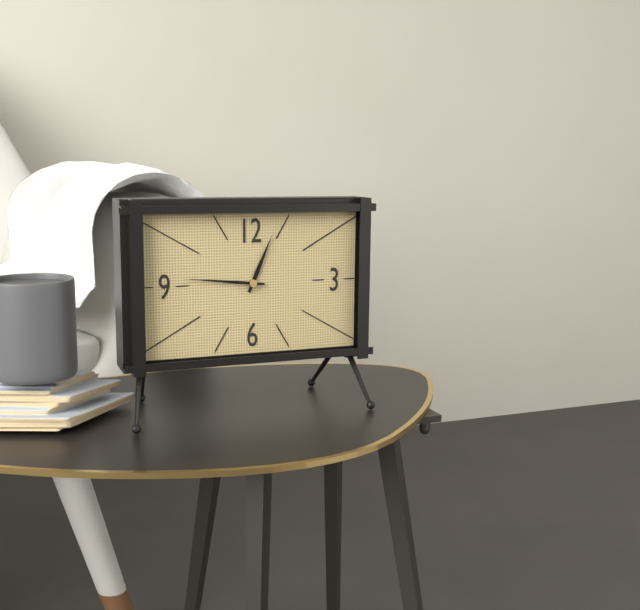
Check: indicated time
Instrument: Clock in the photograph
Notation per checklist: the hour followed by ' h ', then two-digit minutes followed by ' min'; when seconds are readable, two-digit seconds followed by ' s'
12 h 46 min
